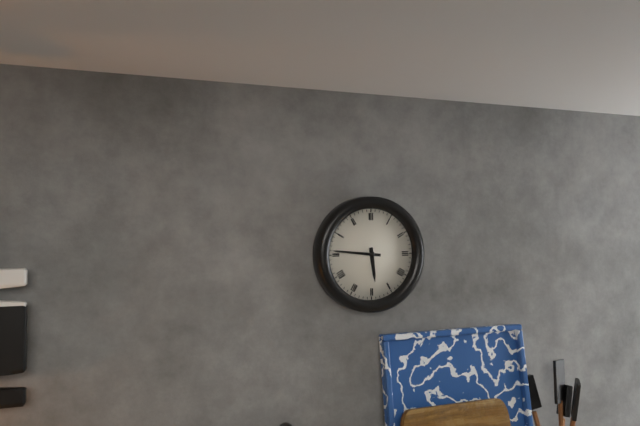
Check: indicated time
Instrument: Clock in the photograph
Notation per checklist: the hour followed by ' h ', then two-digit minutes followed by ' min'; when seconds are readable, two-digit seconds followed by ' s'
5 h 46 min
